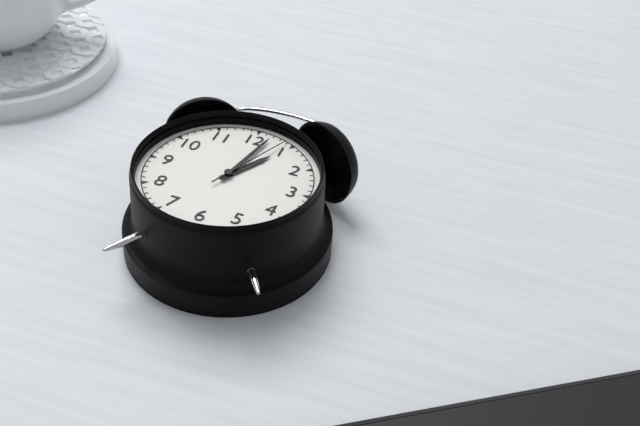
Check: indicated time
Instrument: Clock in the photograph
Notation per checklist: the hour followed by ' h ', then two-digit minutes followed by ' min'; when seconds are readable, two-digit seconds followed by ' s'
1 h 02 min 04 s
